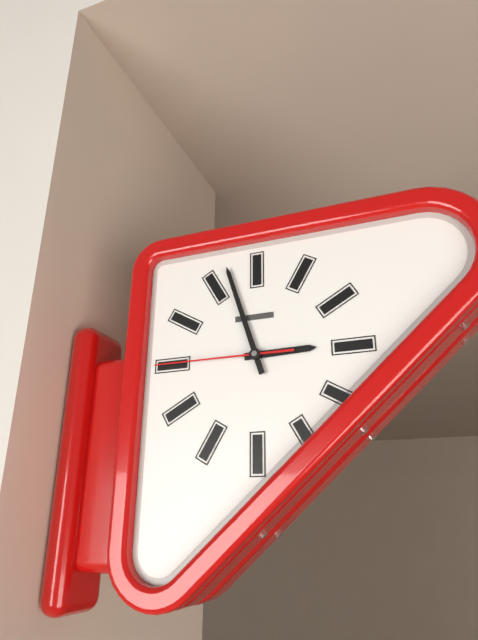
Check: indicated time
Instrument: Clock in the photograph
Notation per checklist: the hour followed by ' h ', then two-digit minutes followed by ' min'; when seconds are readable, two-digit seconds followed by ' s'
2 h 57 min 45 s
